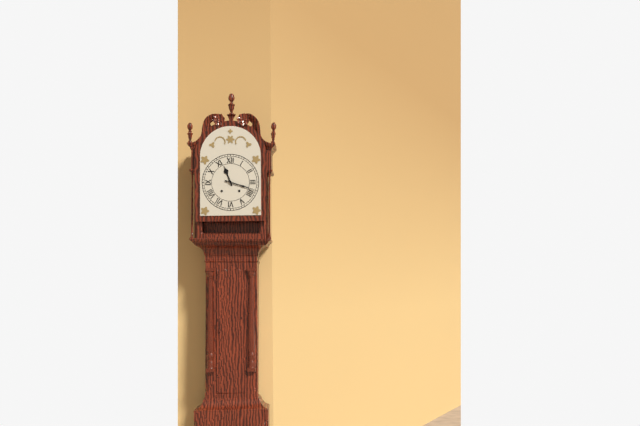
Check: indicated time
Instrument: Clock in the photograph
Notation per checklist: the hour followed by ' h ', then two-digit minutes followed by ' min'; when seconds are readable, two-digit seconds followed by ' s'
11 h 18 min
